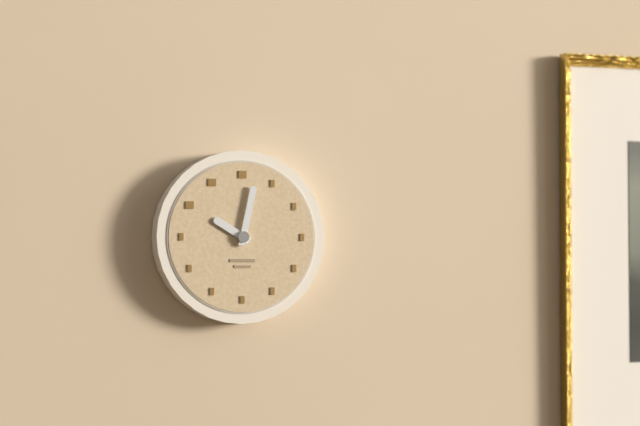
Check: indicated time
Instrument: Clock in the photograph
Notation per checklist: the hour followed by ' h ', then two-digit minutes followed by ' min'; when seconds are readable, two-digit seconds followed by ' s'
10 h 02 min
